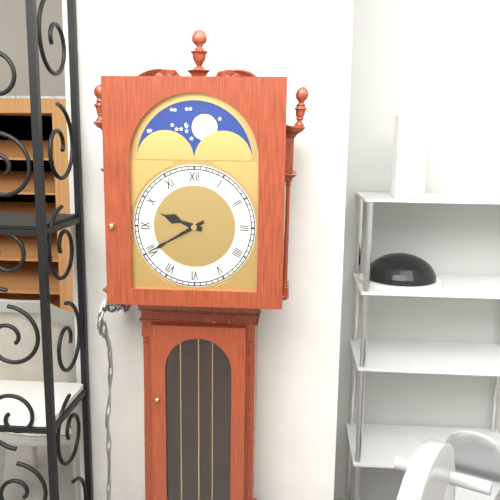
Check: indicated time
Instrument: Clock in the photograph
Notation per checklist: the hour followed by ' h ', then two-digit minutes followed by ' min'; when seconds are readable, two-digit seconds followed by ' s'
9 h 40 min
